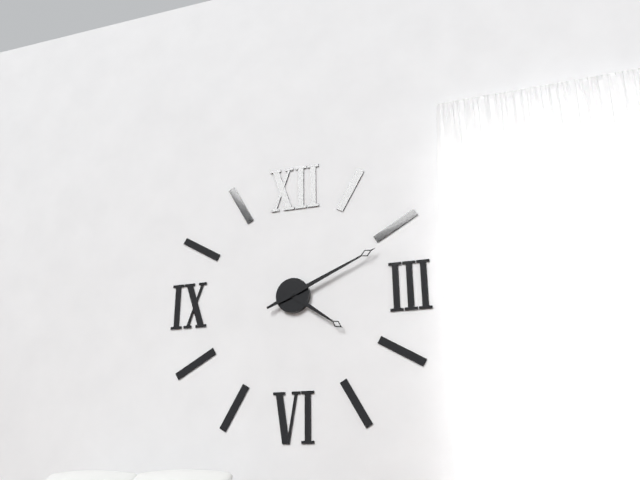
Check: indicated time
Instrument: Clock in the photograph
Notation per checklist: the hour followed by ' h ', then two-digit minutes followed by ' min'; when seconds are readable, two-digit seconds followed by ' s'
4 h 11 min
